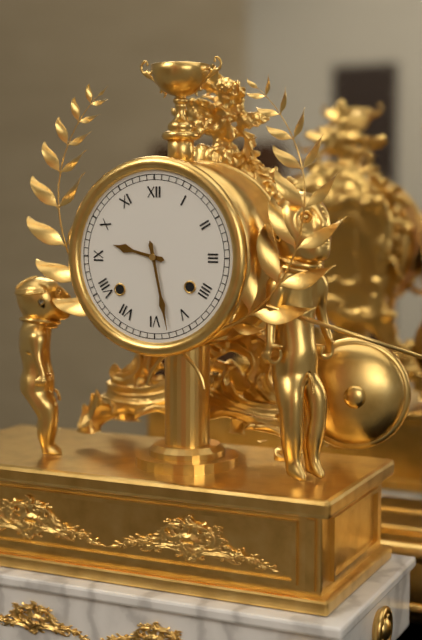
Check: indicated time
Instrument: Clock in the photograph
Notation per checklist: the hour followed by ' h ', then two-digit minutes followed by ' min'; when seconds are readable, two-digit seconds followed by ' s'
9 h 28 min
